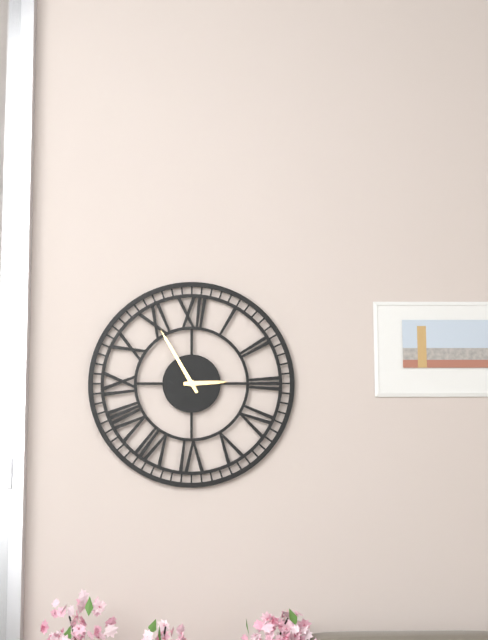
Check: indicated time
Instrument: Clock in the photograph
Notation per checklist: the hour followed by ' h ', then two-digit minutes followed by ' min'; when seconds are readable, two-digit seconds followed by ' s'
2 h 55 min
